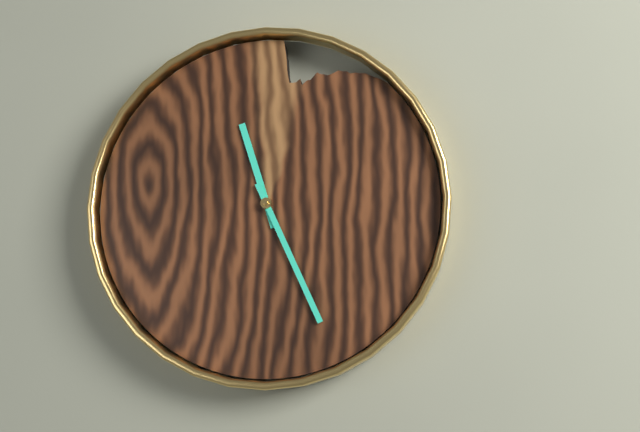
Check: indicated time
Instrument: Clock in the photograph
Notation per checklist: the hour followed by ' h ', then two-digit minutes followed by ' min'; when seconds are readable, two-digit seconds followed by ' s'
11 h 26 min
